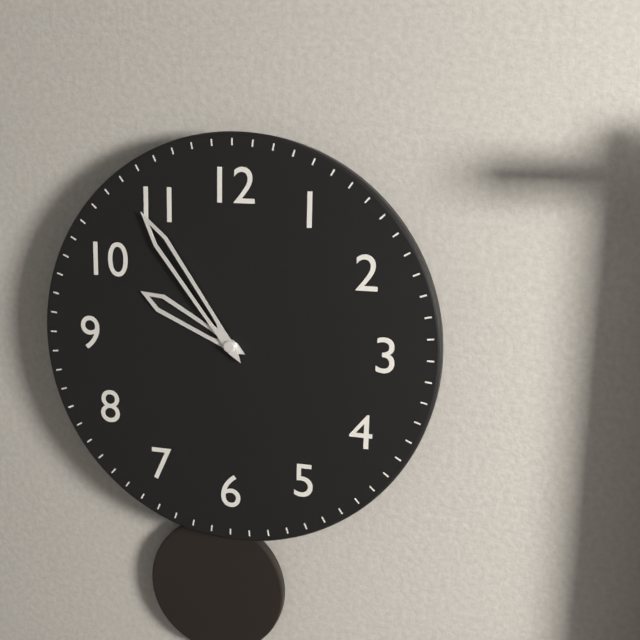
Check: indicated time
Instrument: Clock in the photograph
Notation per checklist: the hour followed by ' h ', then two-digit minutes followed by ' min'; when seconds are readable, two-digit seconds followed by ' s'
9 h 54 min
